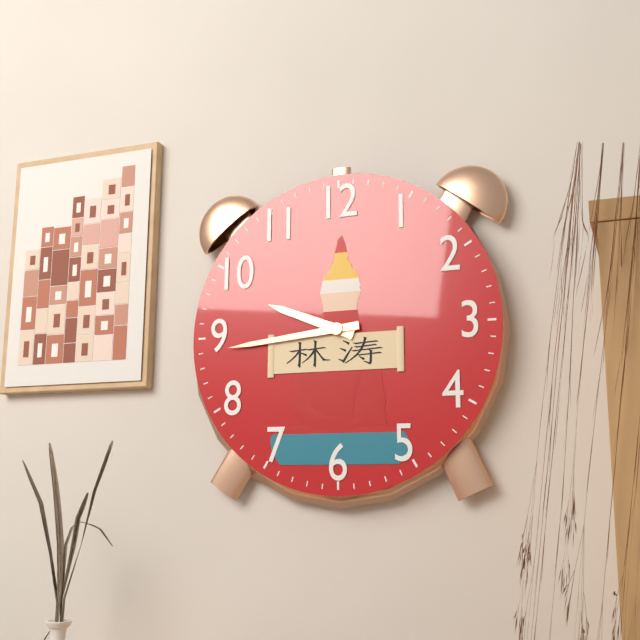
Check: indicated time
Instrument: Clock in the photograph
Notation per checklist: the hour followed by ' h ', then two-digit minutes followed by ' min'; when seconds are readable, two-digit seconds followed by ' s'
9 h 44 min
